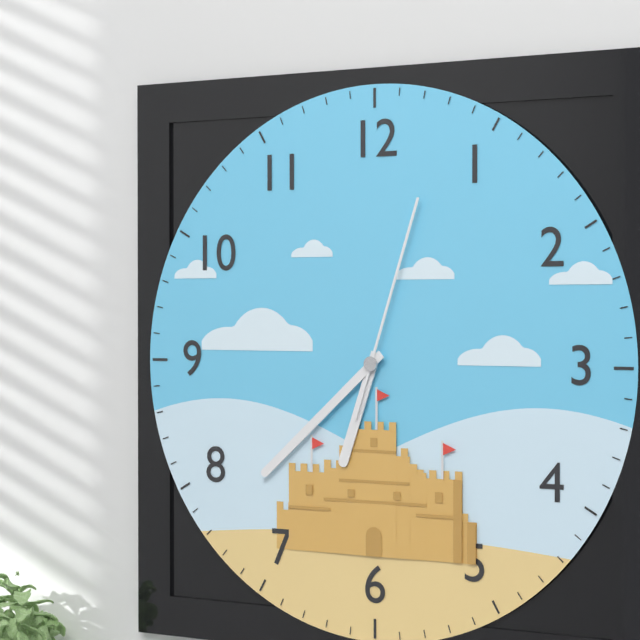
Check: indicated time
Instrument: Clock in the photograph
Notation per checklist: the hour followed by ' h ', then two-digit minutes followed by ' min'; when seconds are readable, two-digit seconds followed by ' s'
6 h 38 min 03 s
